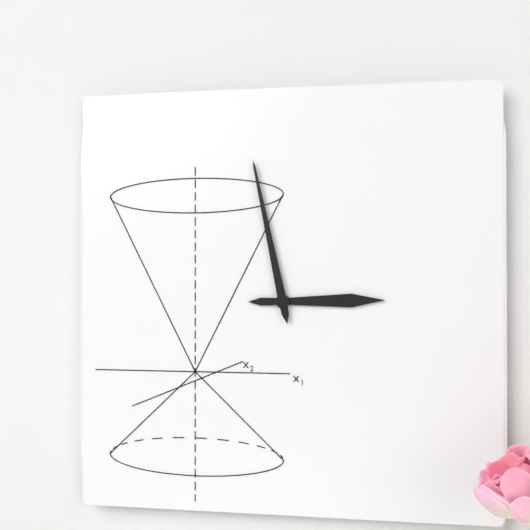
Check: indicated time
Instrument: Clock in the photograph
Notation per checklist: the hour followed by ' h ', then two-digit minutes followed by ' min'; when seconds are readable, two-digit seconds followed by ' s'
2 h 58 min
